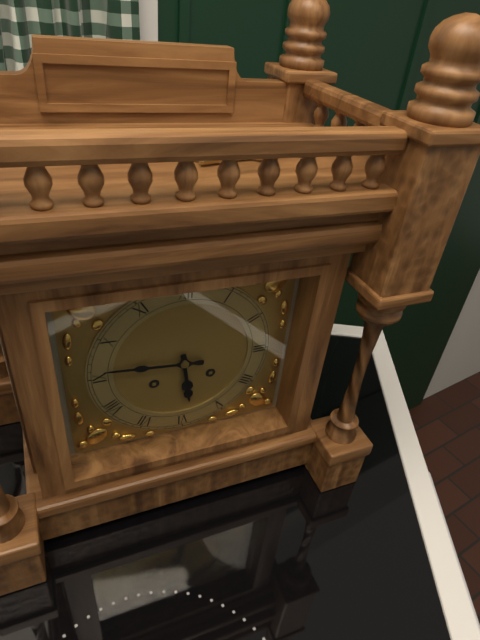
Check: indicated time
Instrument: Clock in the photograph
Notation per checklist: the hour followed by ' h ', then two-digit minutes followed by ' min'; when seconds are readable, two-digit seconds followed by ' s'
5 h 46 min
